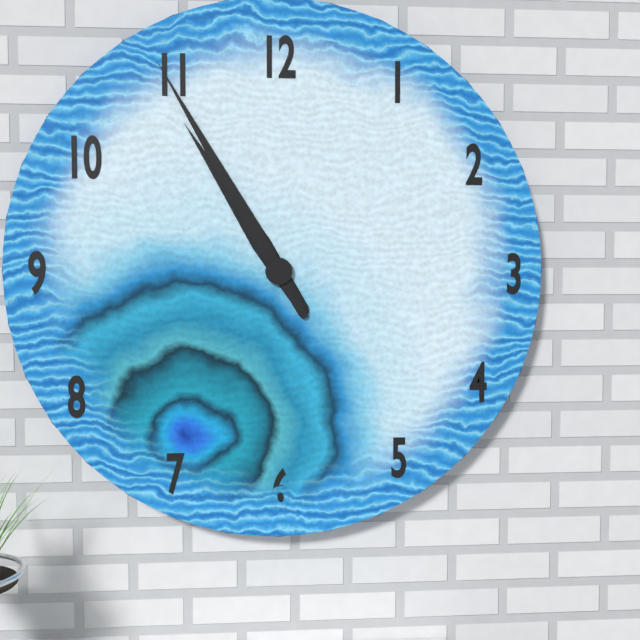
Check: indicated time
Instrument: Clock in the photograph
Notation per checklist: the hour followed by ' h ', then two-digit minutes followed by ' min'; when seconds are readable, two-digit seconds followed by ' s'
10 h 55 min
